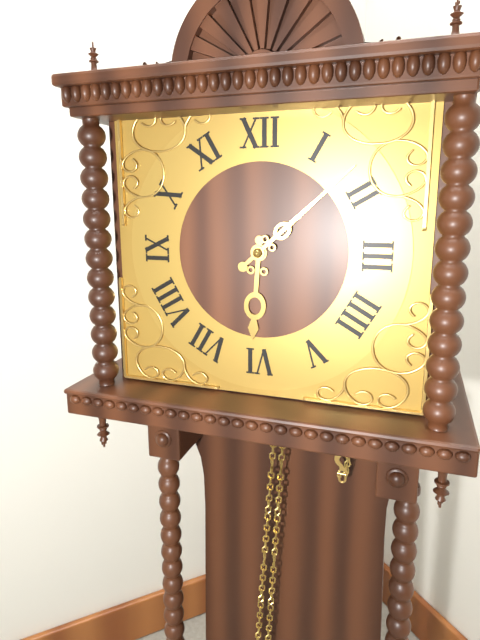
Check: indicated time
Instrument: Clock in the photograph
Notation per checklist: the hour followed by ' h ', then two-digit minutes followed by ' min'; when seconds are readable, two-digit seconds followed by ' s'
6 h 08 min
